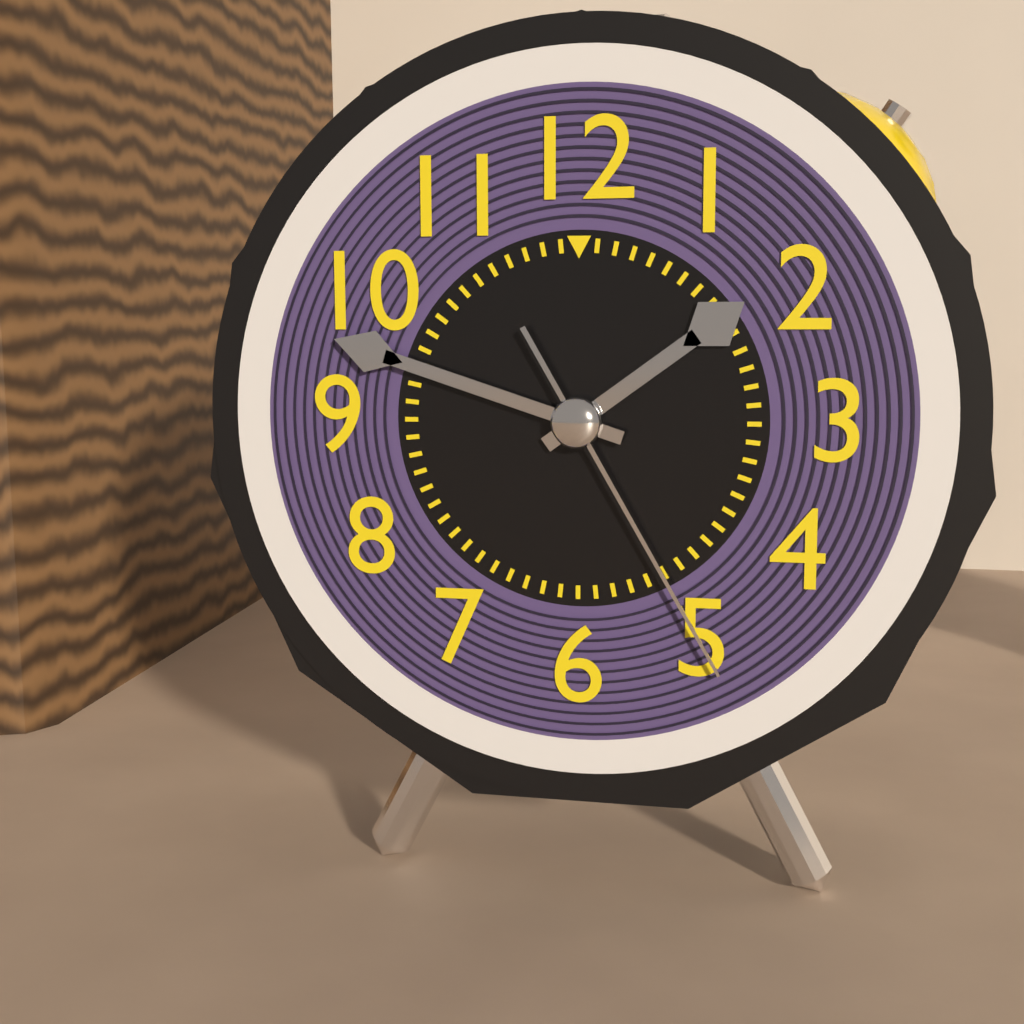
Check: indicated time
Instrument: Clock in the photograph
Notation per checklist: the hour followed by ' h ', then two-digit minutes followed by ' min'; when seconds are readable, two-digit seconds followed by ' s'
1 h 48 min 25 s
